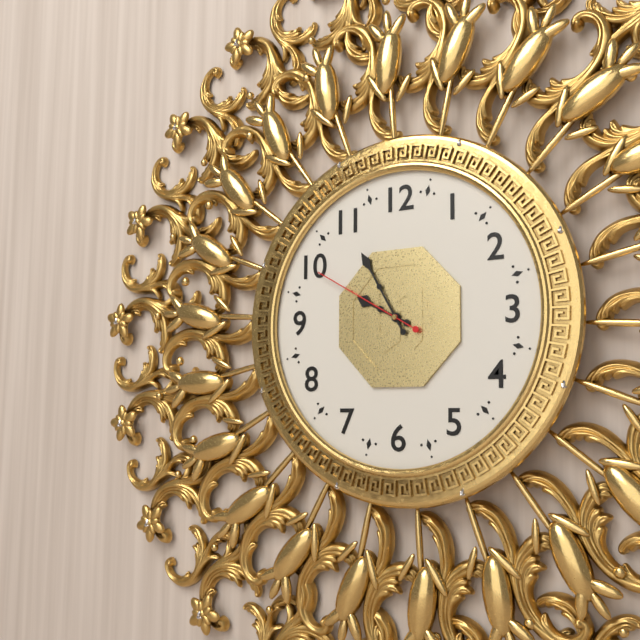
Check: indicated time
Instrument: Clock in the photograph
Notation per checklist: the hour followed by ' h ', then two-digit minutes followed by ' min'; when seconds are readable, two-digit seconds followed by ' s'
9 h 55 min 50 s
